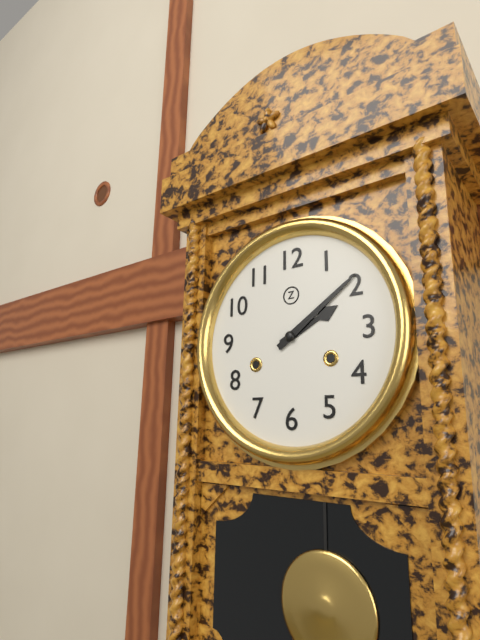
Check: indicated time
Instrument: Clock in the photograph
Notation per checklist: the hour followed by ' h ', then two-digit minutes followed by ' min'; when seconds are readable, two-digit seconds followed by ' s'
2 h 09 min
